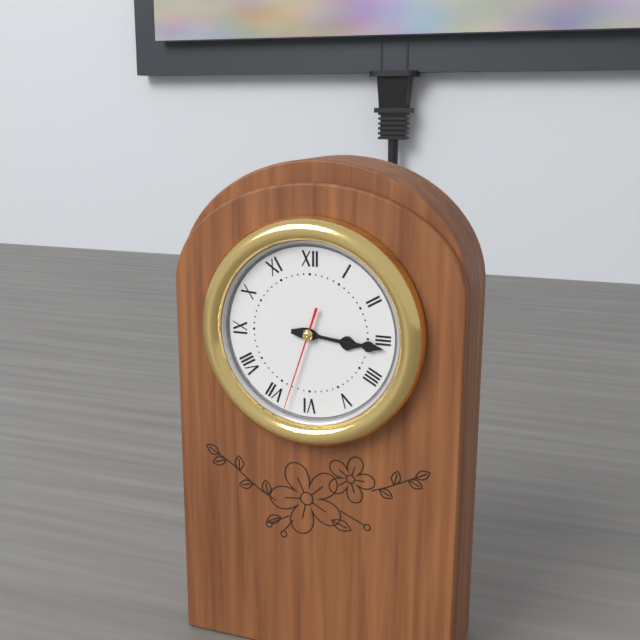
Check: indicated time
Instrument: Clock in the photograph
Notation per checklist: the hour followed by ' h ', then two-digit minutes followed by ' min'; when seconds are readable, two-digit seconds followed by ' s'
3 h 16 min 33 s
